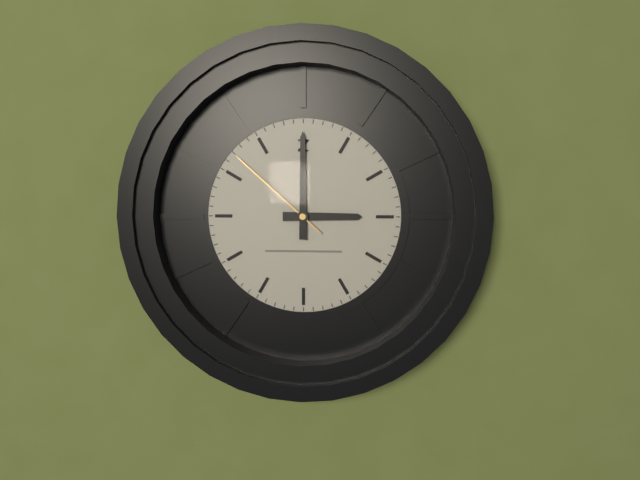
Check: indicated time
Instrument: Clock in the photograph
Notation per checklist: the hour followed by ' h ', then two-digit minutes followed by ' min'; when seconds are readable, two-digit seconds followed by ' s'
3 h 00 min 52 s
